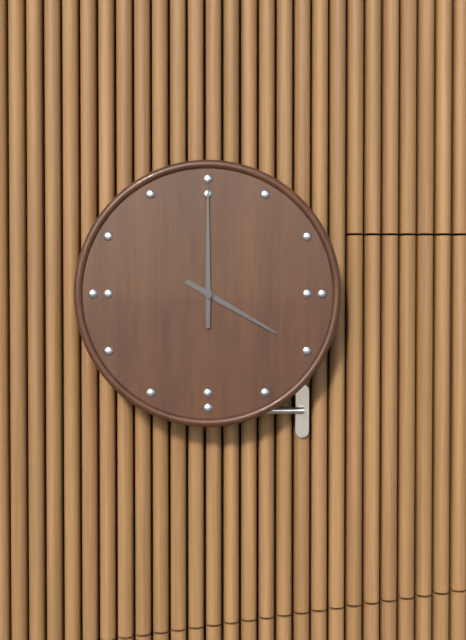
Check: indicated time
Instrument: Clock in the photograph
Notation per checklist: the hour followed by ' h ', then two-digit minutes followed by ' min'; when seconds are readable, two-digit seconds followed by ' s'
4 h 00 min
